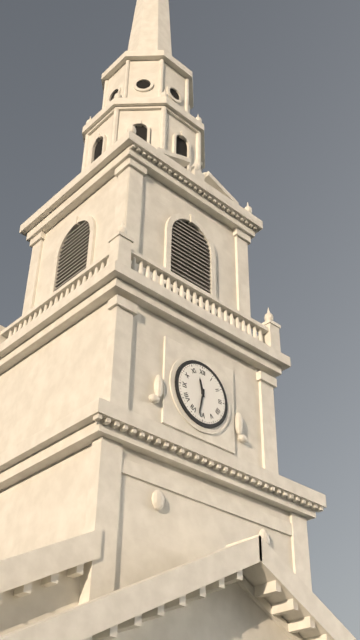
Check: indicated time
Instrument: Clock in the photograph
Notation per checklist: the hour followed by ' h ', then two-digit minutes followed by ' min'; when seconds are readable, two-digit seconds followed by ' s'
11 h 32 min
